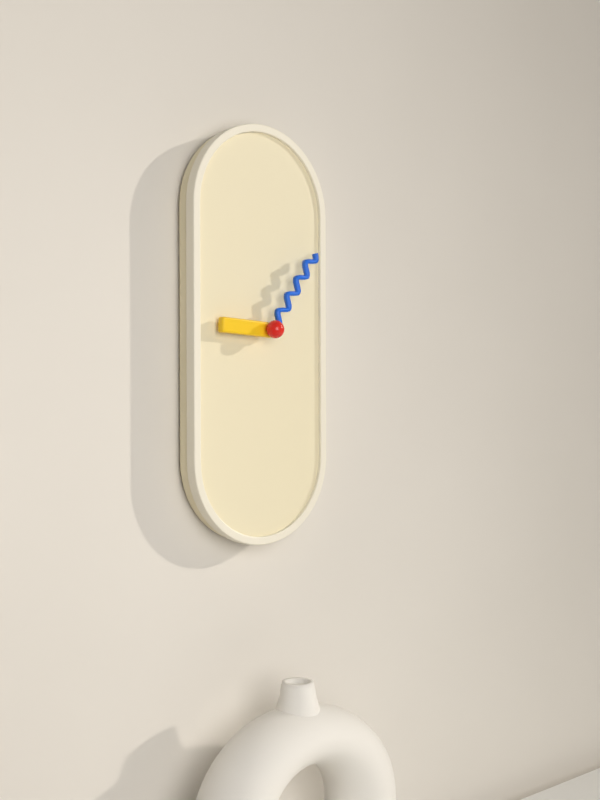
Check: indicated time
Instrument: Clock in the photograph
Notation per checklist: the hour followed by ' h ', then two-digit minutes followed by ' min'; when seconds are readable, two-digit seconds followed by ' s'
9 h 06 min
